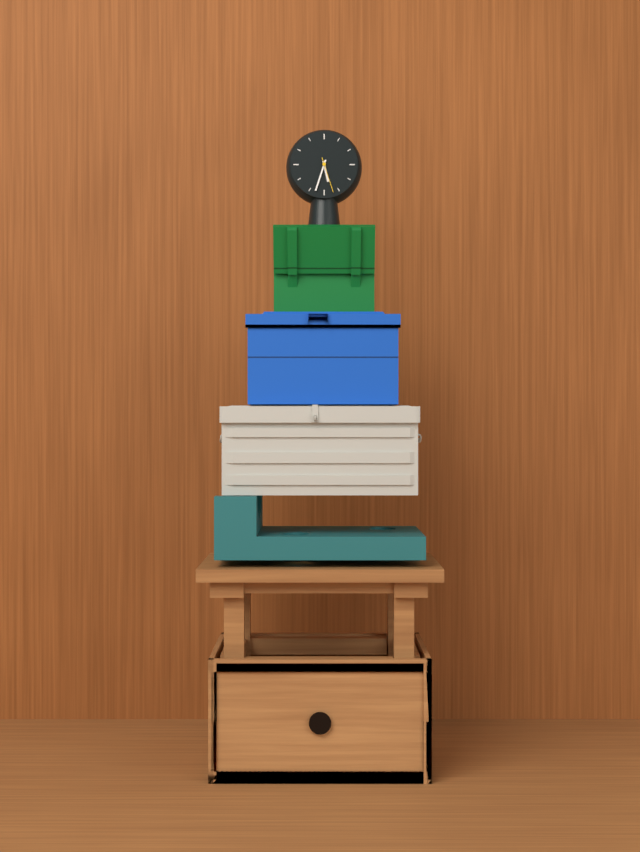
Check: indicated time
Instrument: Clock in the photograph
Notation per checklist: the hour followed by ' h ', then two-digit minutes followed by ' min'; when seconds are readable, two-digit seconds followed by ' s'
5 h 33 min
